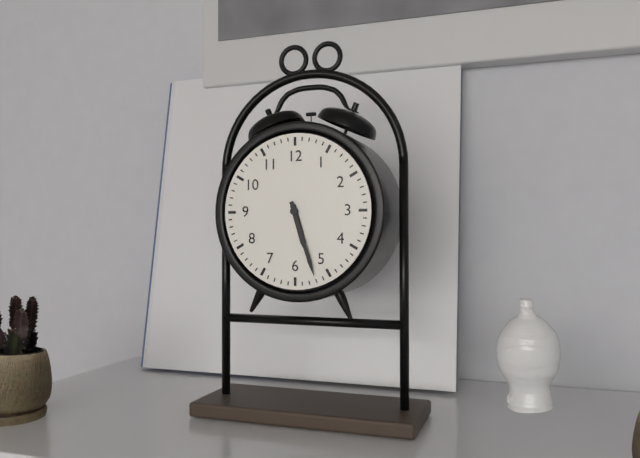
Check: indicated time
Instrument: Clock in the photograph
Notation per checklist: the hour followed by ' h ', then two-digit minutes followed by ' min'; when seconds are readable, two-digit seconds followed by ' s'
5 h 27 min
